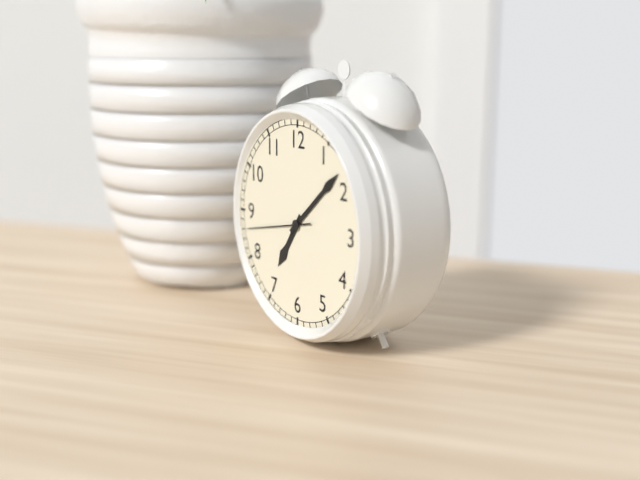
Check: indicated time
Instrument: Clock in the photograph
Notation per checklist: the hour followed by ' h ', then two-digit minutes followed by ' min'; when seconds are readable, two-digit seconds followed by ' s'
7 h 08 min 43 s
